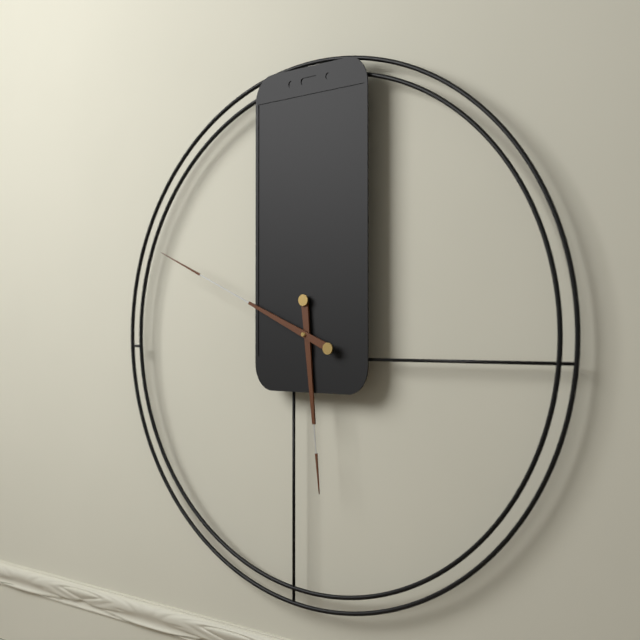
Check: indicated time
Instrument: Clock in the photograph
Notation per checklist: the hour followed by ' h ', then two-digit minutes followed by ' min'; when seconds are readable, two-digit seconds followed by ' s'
5 h 49 min
